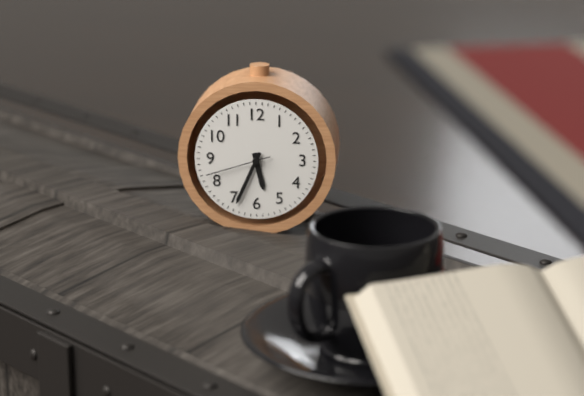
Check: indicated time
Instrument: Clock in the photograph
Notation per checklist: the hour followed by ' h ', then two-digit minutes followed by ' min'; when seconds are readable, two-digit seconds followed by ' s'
5 h 34 min 42 s
